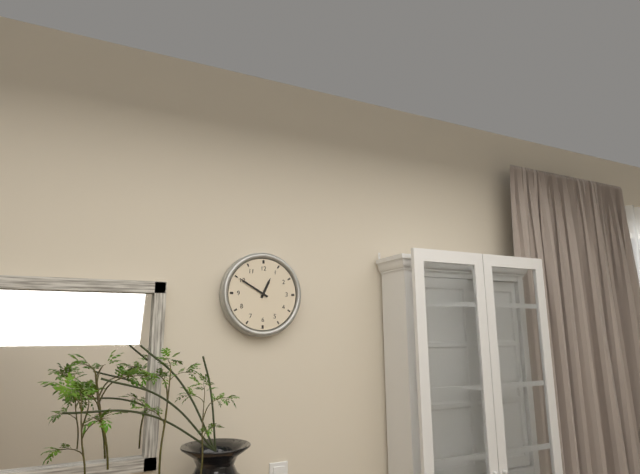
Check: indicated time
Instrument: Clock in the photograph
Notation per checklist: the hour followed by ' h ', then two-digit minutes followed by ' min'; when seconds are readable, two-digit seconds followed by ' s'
12 h 50 min
